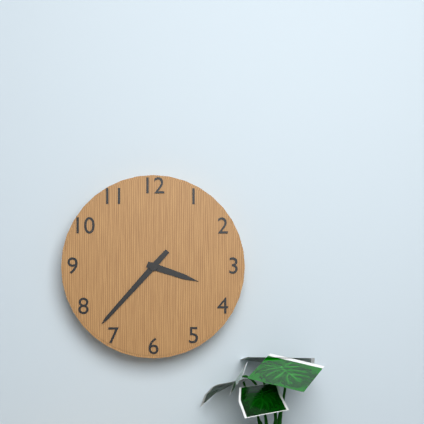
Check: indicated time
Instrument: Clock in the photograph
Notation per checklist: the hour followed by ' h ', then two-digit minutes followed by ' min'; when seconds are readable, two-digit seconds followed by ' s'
3 h 37 min
